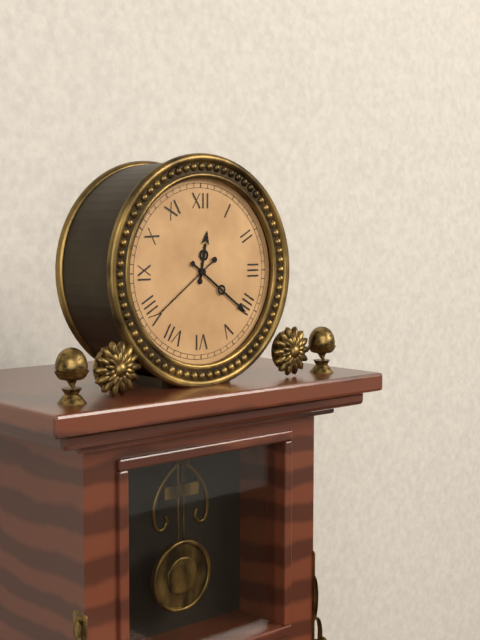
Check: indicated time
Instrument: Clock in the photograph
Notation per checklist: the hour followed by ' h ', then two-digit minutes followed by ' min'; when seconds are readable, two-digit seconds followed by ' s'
12 h 21 min 39 s
